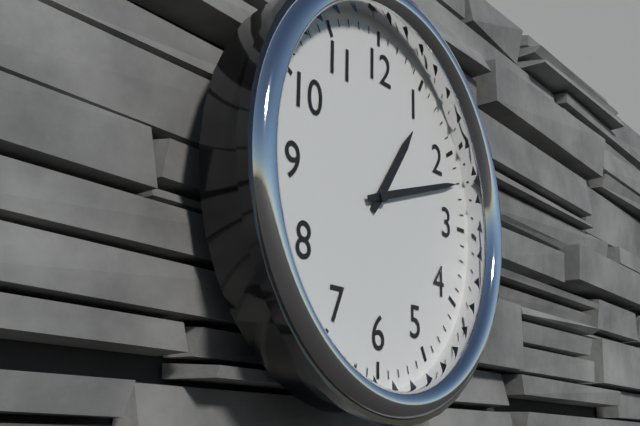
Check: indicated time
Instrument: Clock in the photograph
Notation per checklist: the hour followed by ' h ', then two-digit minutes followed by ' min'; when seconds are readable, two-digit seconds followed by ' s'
1 h 12 min
